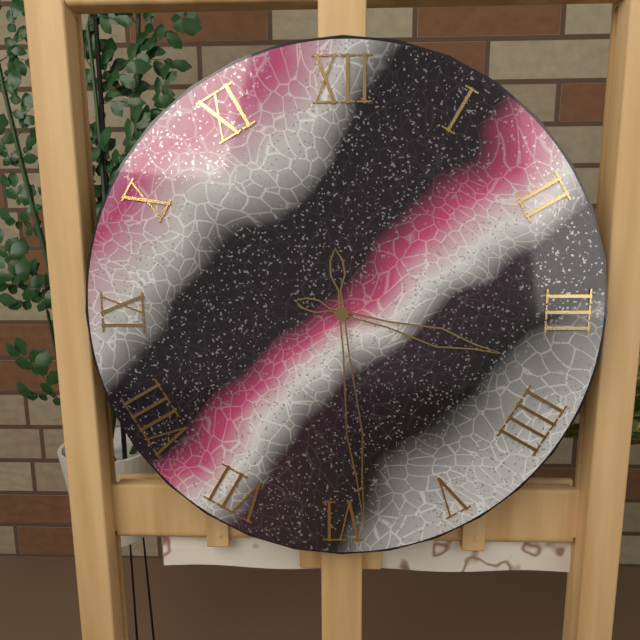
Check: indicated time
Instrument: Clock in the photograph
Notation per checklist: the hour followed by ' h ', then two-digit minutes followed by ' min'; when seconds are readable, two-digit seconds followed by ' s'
3 h 29 min
